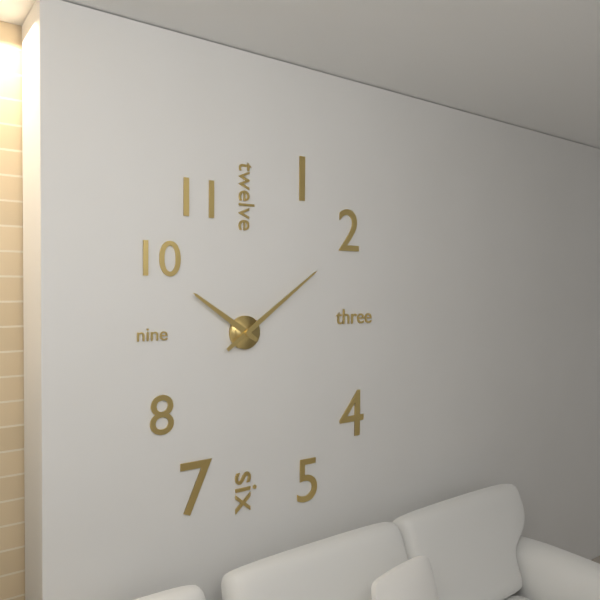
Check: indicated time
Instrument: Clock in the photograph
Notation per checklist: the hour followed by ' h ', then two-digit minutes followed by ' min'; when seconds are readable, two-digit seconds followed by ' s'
10 h 09 min
